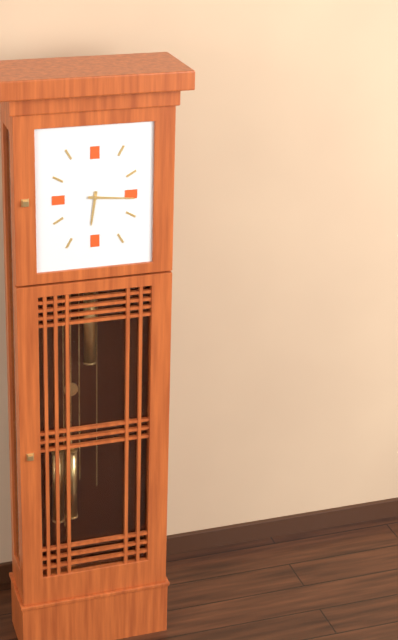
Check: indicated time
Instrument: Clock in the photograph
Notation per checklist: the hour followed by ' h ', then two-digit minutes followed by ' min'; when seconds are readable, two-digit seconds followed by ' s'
6 h 16 min
